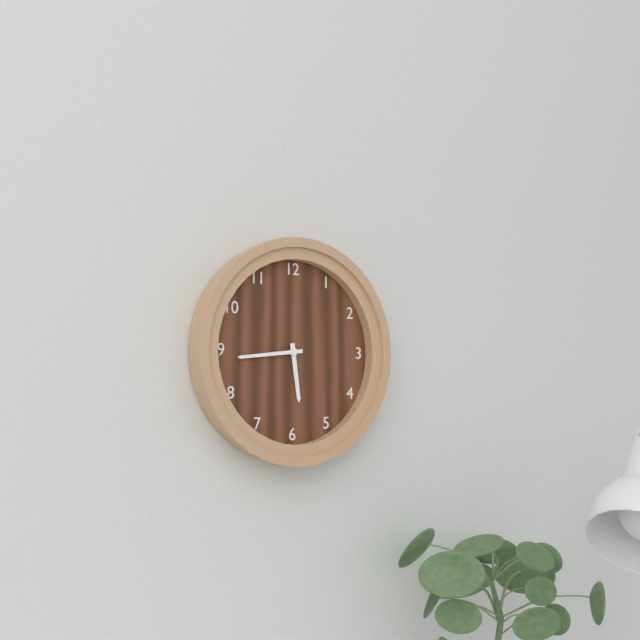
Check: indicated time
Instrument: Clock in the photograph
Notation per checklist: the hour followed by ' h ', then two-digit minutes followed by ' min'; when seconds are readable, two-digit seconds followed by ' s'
5 h 44 min
